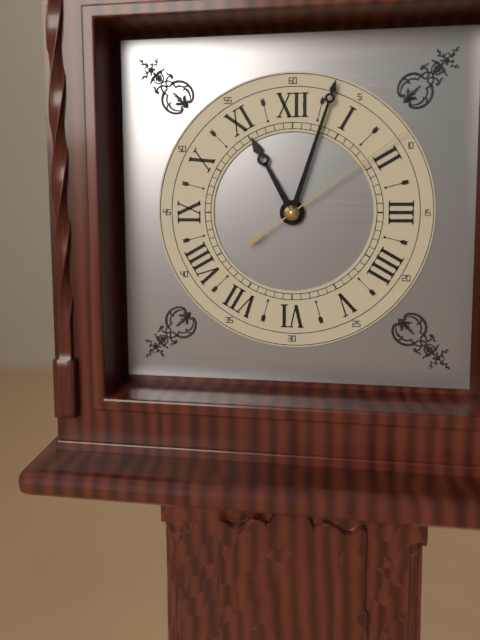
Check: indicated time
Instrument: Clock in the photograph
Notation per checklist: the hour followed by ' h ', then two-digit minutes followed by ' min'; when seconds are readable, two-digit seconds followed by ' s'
11 h 03 min 09 s
